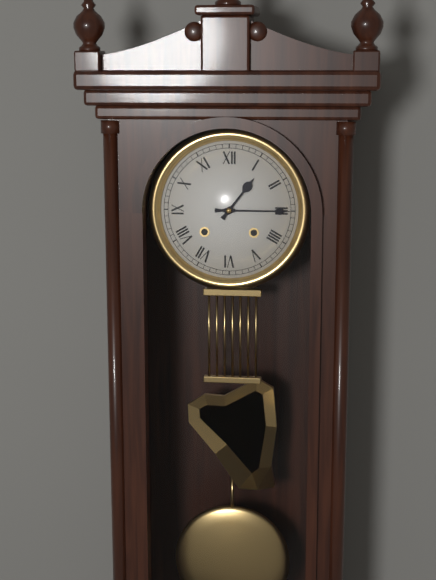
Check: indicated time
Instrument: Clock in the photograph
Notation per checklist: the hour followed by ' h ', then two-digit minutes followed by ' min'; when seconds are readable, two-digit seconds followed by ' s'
1 h 15 min
